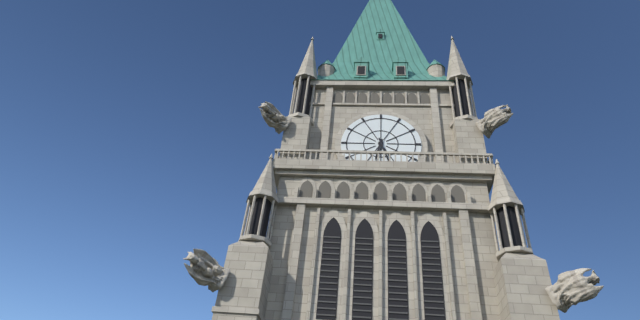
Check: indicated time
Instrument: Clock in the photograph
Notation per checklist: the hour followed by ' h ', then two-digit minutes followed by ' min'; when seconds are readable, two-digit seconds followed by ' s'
6 h 27 min
